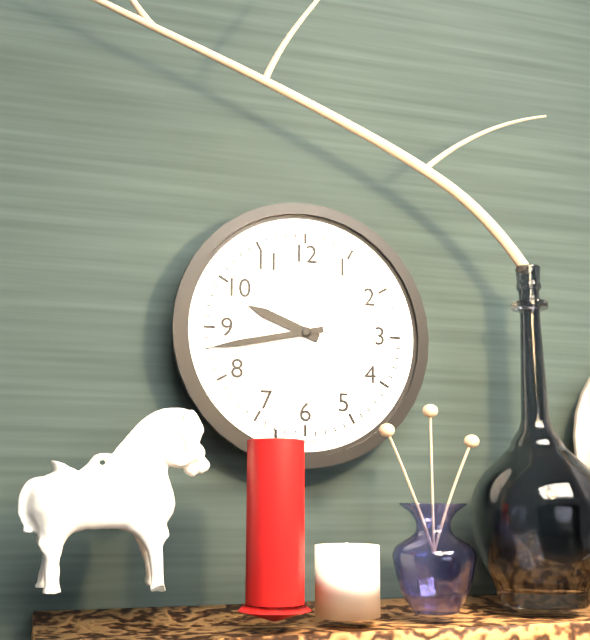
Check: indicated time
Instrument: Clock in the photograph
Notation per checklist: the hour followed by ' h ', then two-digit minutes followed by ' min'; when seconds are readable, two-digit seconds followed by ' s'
9 h 43 min
